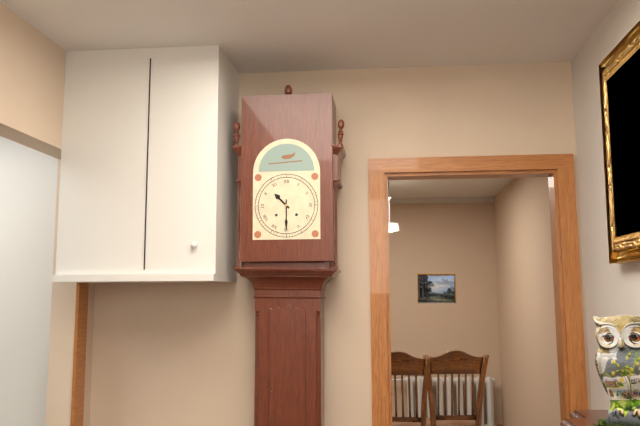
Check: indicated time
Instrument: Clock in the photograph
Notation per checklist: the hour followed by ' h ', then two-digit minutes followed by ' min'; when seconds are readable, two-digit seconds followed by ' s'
10 h 30 min
